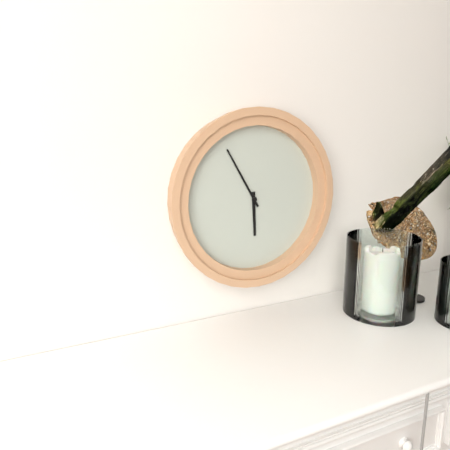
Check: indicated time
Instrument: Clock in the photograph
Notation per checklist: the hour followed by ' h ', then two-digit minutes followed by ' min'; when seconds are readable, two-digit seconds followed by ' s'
5 h 55 min
